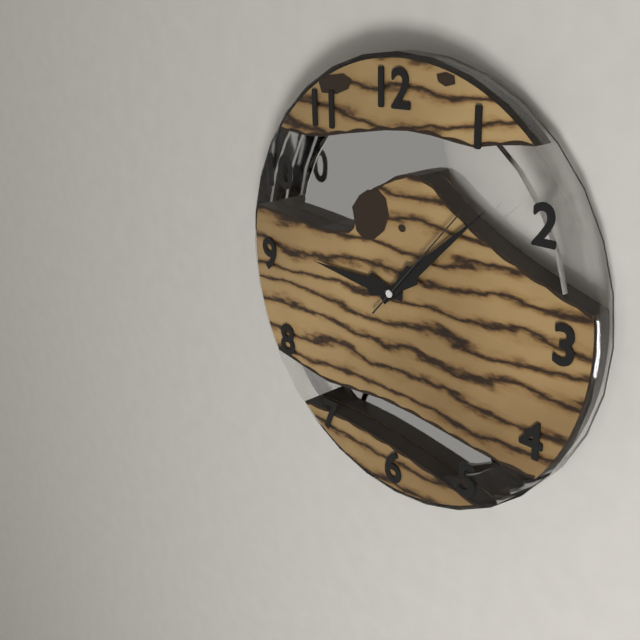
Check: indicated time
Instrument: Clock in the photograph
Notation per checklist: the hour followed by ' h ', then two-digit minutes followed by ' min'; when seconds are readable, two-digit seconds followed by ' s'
9 h 08 min 07 s
